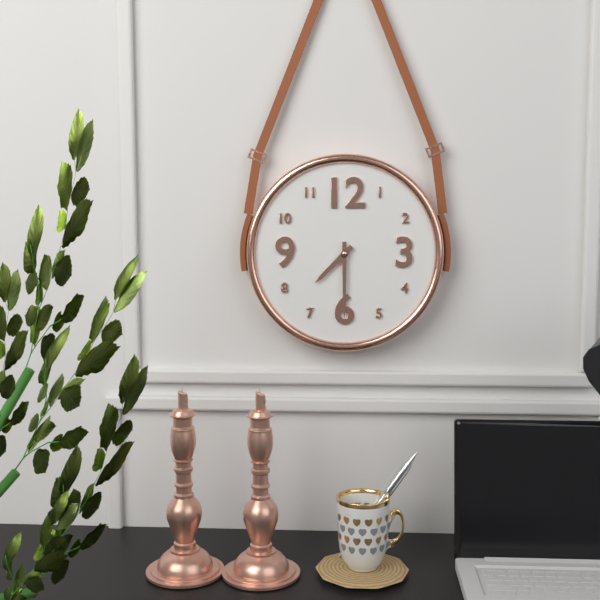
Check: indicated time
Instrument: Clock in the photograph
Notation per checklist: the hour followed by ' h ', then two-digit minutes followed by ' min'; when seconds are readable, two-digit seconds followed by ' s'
7 h 30 min
